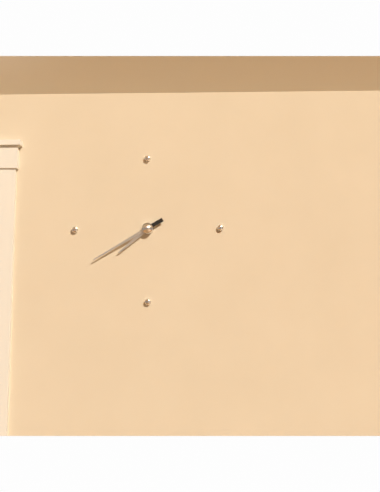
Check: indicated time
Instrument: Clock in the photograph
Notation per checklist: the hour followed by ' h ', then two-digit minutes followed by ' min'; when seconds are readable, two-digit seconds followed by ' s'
7 h 40 min
